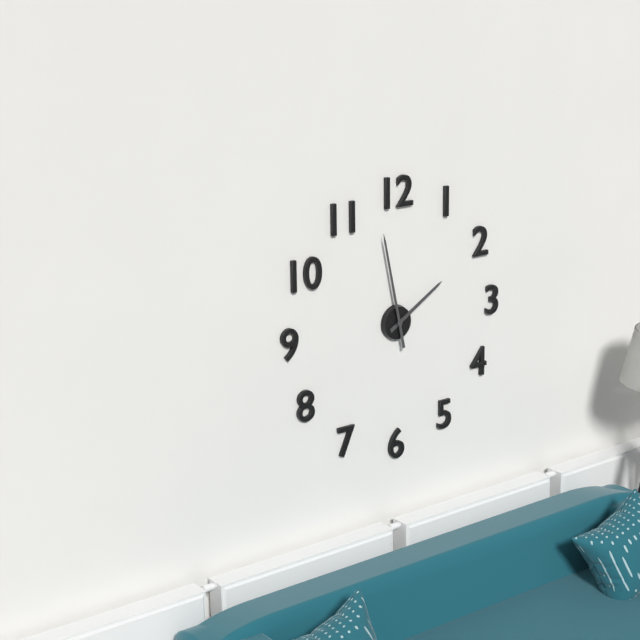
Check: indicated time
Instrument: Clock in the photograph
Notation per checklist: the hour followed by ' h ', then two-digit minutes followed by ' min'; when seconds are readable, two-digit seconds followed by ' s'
1 h 58 min
